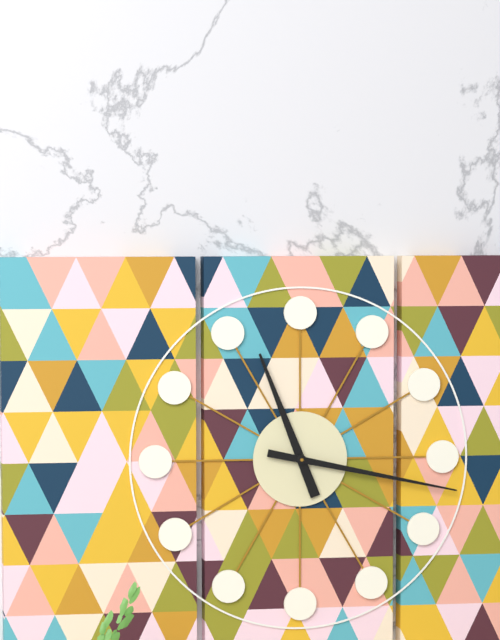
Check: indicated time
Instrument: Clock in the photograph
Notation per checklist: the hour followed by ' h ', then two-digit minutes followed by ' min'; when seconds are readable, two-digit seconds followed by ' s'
11 h 17 min
